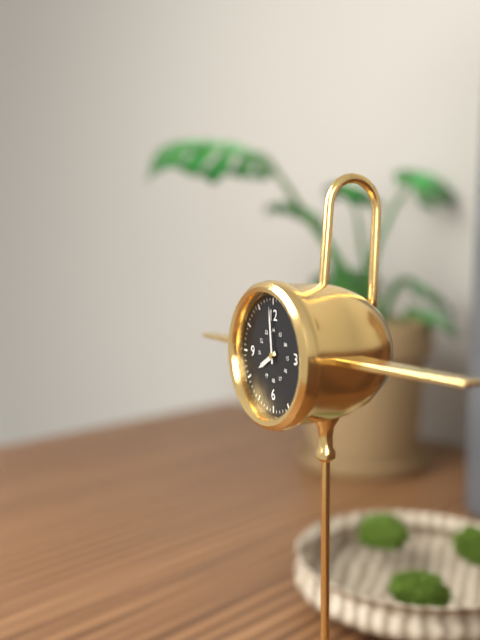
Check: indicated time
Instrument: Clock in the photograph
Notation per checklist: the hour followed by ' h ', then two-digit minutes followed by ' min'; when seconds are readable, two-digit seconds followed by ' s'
7 h 59 min
